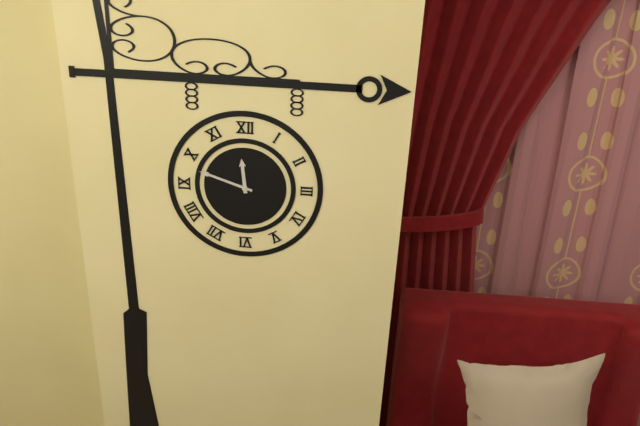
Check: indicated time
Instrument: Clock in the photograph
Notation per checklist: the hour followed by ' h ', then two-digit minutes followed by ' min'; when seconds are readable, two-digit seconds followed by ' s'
11 h 48 min
